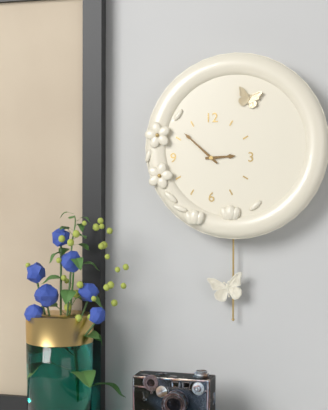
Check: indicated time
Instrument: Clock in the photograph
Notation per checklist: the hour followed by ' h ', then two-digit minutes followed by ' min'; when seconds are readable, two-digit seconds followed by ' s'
2 h 52 min
